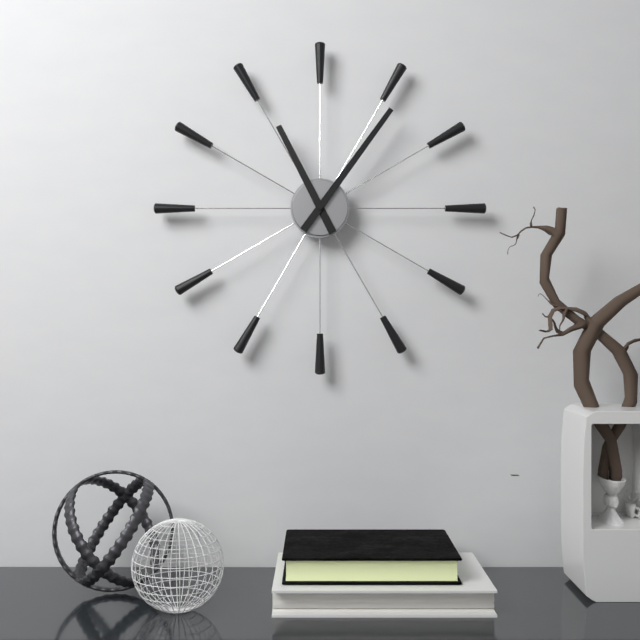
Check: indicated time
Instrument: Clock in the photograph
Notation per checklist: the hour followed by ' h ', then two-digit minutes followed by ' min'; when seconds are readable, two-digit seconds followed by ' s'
11 h 06 min
